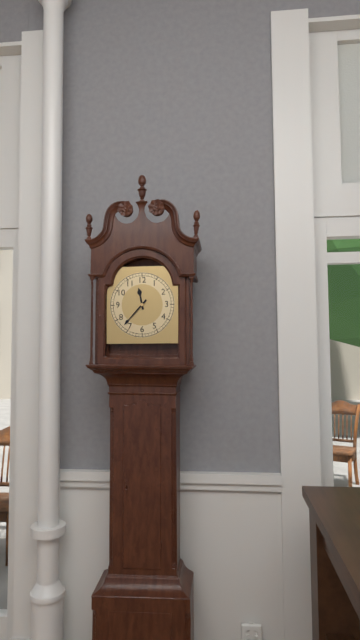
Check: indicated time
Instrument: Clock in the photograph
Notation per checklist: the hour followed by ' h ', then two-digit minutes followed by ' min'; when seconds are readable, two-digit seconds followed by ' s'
11 h 37 min
